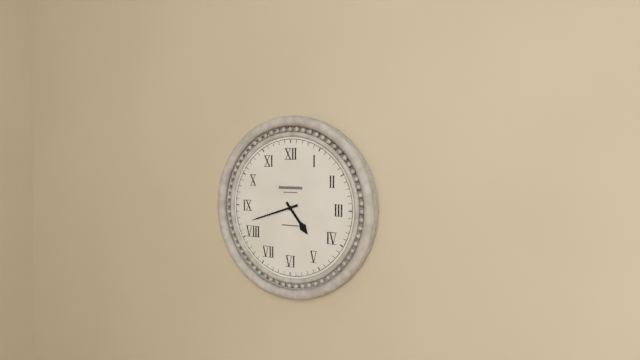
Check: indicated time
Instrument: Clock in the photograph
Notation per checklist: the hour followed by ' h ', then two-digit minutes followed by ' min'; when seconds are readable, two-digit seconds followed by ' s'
4 h 42 min
